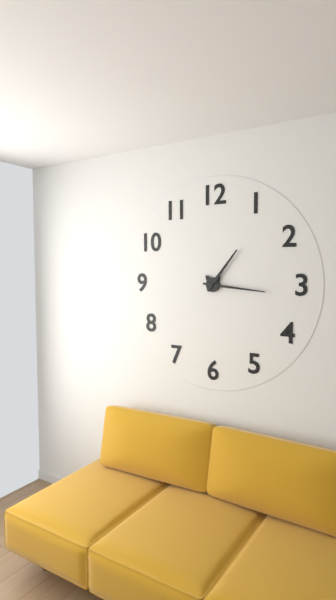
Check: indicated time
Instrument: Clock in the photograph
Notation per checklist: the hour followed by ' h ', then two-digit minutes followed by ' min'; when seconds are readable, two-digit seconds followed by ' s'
1 h 16 min
